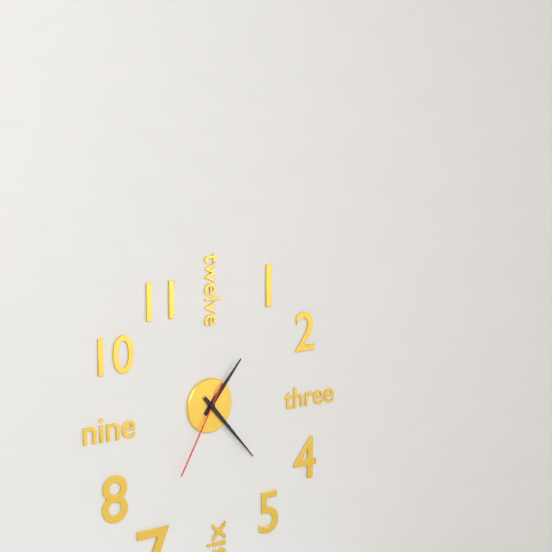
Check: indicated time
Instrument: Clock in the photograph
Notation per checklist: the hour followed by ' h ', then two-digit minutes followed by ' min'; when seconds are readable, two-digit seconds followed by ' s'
1 h 23 min 35 s
